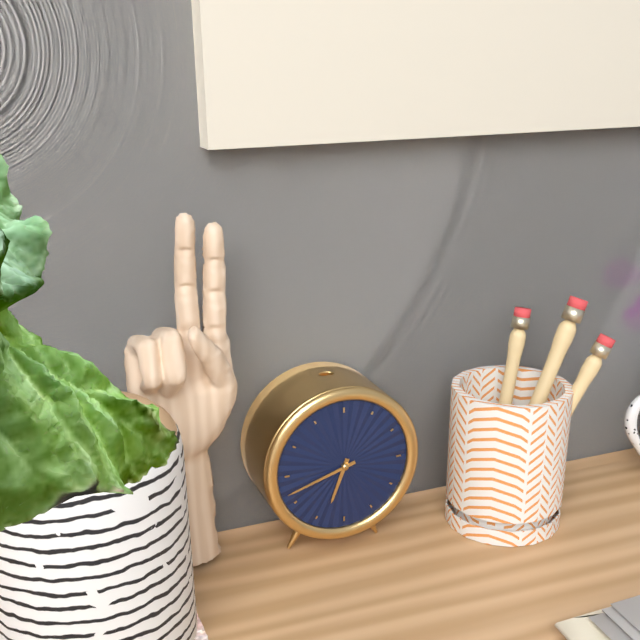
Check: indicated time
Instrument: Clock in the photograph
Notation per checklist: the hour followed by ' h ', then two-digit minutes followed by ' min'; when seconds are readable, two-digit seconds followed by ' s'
6 h 42 min
